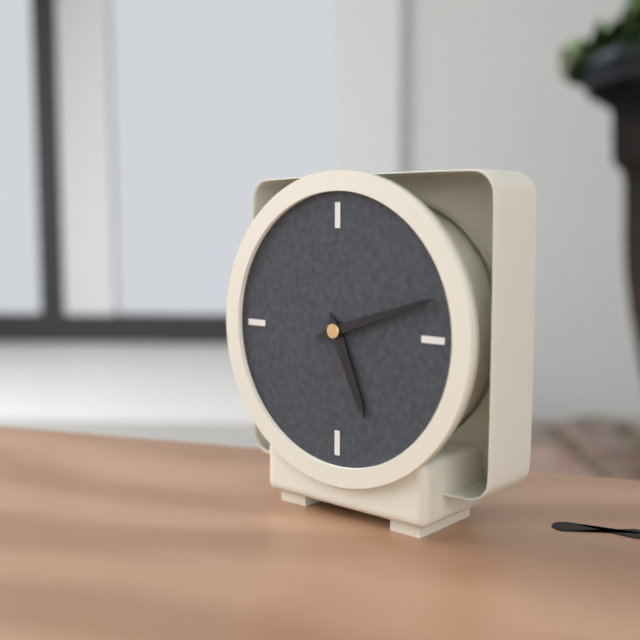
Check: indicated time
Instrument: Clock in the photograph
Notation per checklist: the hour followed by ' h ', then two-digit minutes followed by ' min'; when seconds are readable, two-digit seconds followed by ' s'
5 h 12 min
